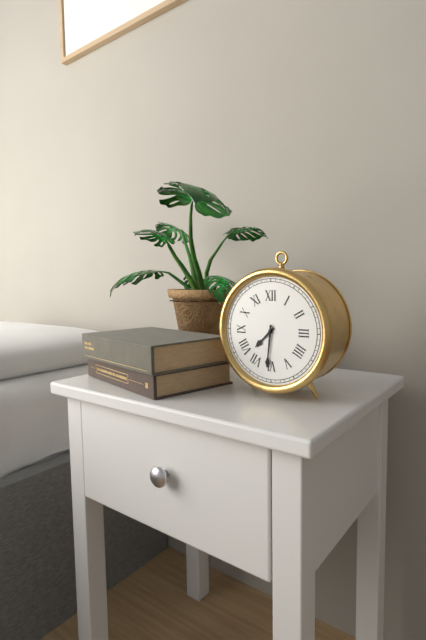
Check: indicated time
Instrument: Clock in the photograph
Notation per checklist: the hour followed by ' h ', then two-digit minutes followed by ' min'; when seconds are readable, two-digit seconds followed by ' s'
7 h 31 min
